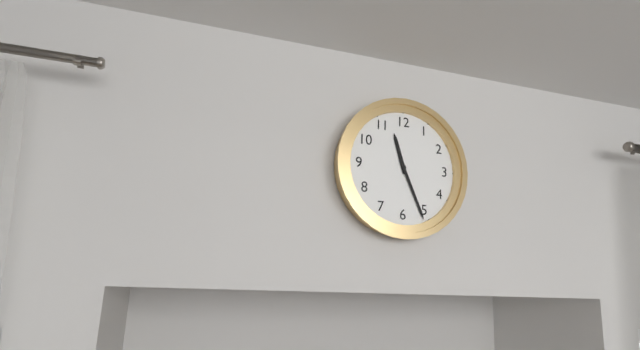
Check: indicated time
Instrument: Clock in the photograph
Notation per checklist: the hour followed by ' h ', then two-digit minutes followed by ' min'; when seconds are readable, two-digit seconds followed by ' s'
11 h 26 min
